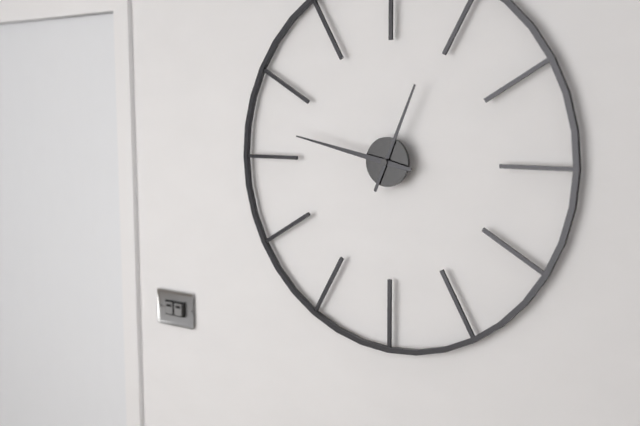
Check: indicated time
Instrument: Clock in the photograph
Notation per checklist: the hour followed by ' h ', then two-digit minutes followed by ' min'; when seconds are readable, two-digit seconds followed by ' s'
12 h 47 min
